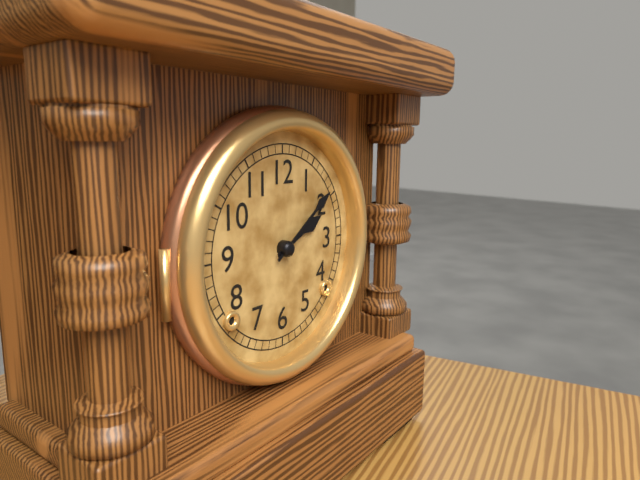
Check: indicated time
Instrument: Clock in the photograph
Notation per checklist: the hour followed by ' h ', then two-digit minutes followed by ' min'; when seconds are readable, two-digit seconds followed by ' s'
2 h 09 min
